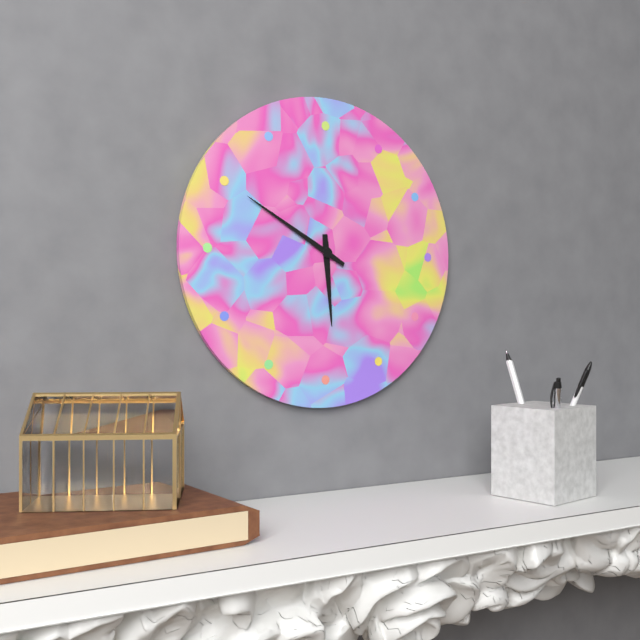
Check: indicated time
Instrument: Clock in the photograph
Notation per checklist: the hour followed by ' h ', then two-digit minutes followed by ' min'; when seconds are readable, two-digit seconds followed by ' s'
5 h 50 min
